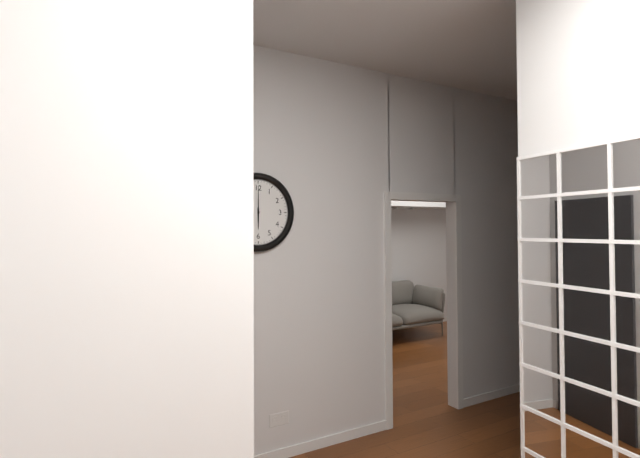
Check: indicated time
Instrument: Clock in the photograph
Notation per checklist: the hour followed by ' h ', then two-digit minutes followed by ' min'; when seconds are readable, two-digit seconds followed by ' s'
6 h 00 min
